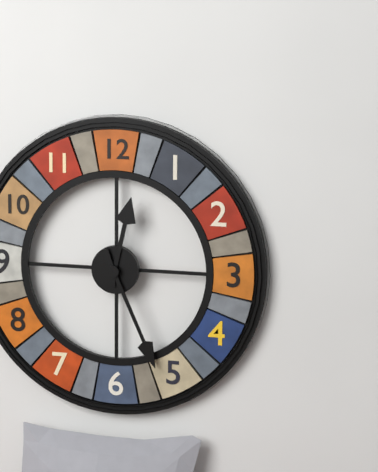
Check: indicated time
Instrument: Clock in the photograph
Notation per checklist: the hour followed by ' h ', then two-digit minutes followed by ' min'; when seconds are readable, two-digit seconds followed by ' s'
12 h 26 min
